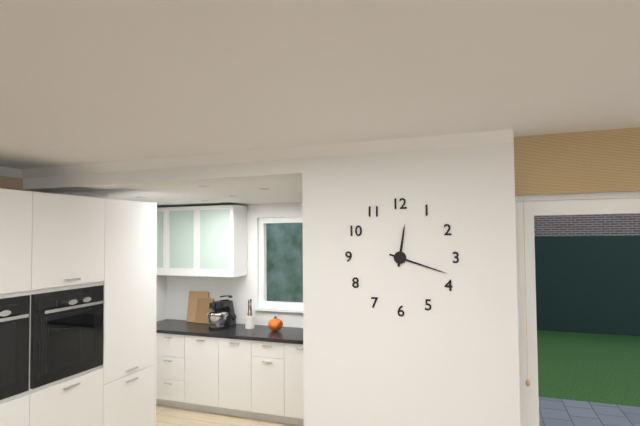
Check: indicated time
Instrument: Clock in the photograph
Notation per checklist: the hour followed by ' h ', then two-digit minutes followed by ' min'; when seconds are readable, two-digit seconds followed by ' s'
12 h 18 min
